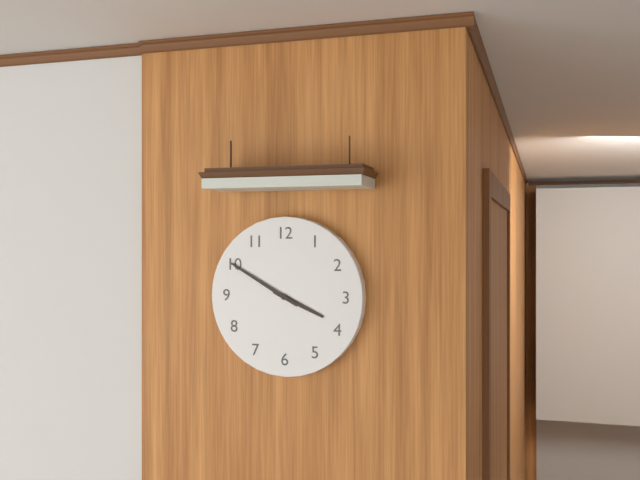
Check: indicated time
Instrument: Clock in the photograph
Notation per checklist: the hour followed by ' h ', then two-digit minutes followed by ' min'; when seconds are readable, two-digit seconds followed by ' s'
3 h 50 min
